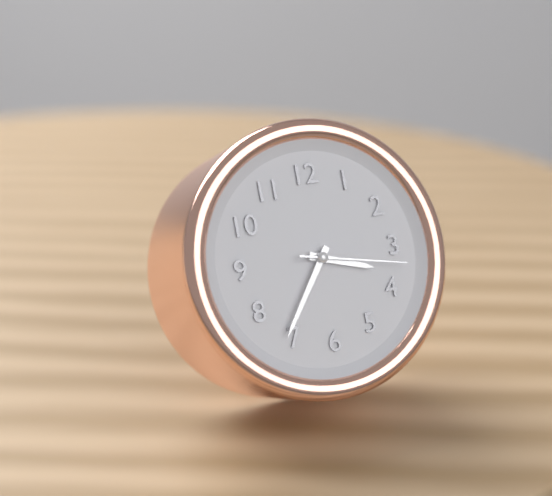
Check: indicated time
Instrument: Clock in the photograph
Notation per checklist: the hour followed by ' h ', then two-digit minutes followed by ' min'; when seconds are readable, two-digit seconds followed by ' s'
3 h 36 min 17 s
